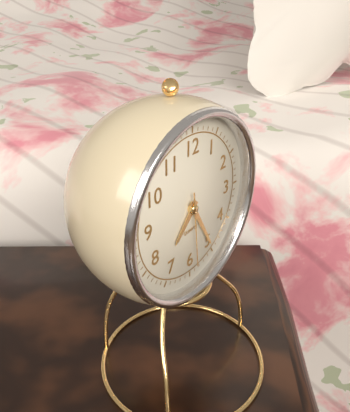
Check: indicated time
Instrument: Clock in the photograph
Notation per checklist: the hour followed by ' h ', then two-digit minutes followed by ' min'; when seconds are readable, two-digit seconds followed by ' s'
7 h 25 min 29 s
